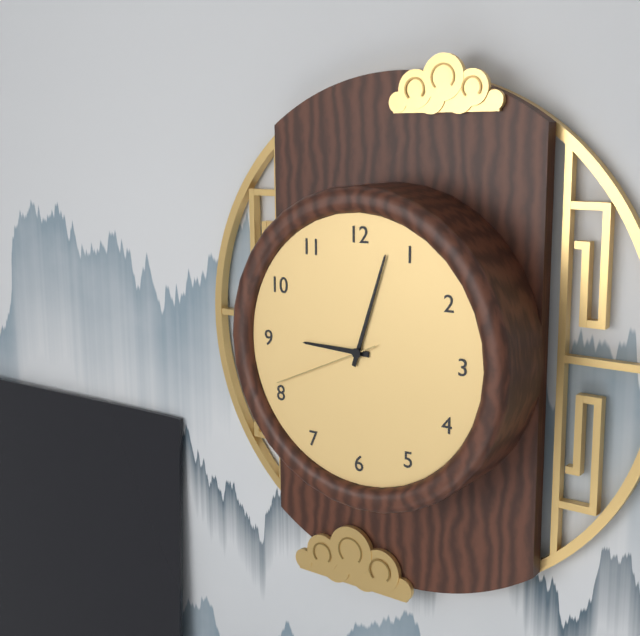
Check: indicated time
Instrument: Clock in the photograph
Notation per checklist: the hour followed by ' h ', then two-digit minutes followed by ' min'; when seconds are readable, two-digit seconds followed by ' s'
9 h 03 min 41 s
